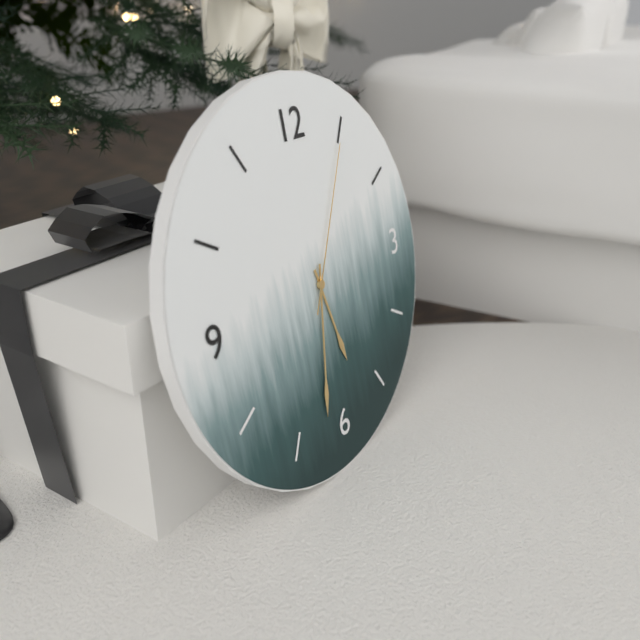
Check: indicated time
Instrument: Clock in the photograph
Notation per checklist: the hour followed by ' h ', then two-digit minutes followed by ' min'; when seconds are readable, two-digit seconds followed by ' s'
5 h 32 min 05 s
